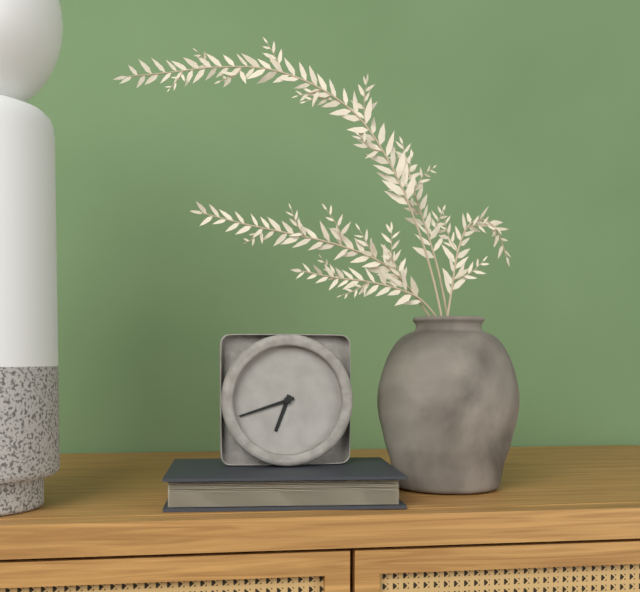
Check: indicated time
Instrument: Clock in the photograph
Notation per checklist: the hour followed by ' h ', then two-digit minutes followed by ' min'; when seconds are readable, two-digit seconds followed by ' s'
6 h 42 min
